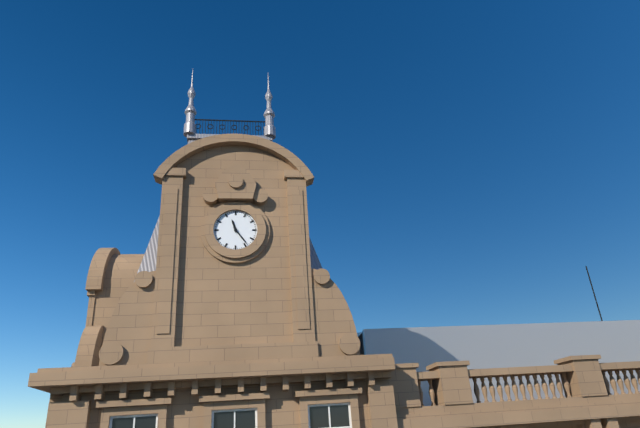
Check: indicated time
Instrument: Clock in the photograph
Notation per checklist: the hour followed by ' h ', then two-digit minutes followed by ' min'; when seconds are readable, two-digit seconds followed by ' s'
11 h 24 min
